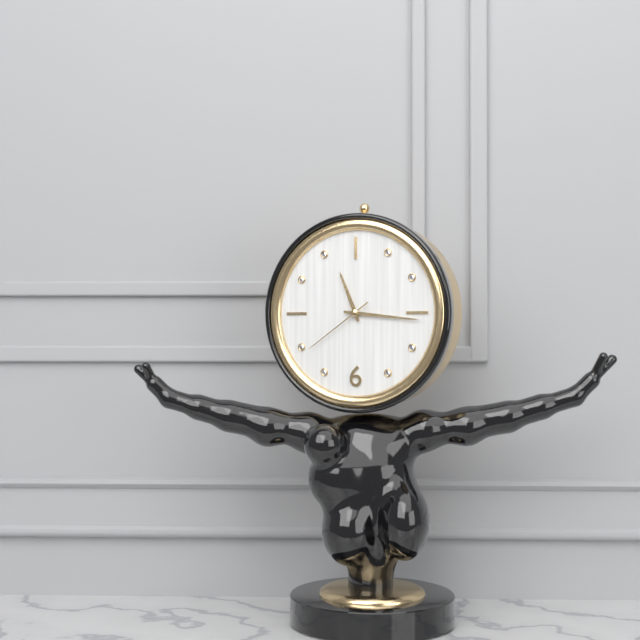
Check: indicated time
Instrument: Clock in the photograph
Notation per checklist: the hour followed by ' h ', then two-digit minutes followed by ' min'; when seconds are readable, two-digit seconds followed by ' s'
11 h 16 min 39 s
